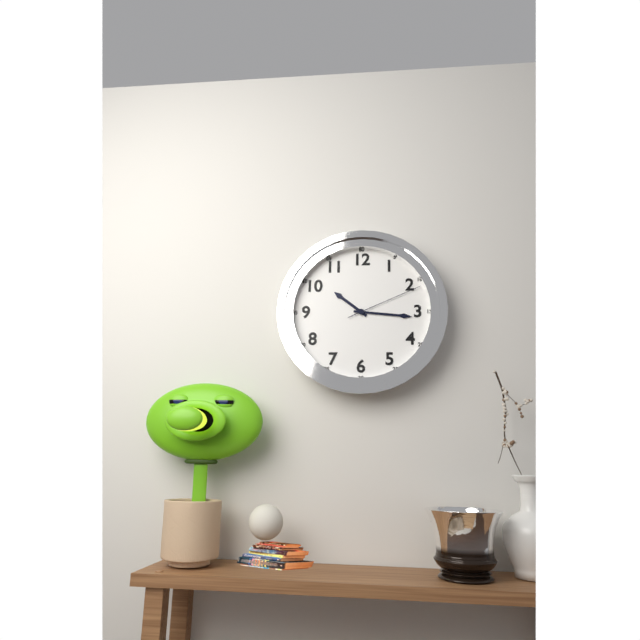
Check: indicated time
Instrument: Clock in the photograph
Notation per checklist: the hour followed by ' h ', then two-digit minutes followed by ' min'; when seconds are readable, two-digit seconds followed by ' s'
10 h 16 min 11 s
